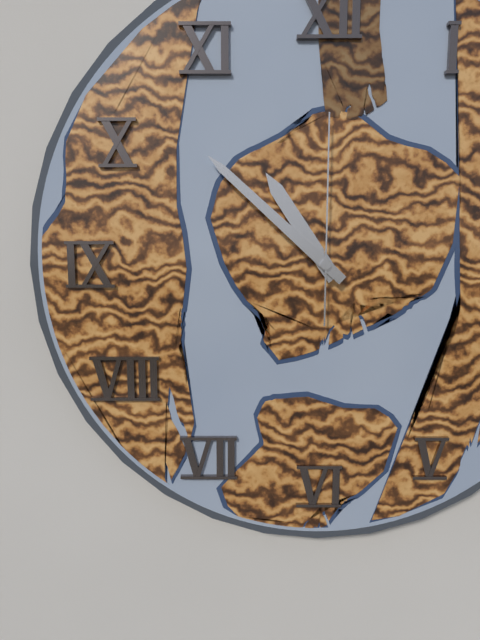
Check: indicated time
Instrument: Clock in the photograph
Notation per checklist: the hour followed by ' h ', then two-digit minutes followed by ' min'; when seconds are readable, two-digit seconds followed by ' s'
10 h 52 min 00 s
